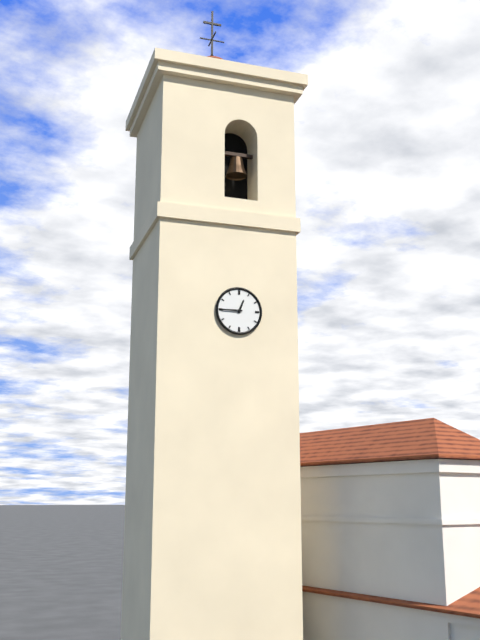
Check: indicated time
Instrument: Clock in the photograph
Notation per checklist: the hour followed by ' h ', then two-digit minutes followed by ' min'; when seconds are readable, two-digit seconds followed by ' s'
12 h 45 min
